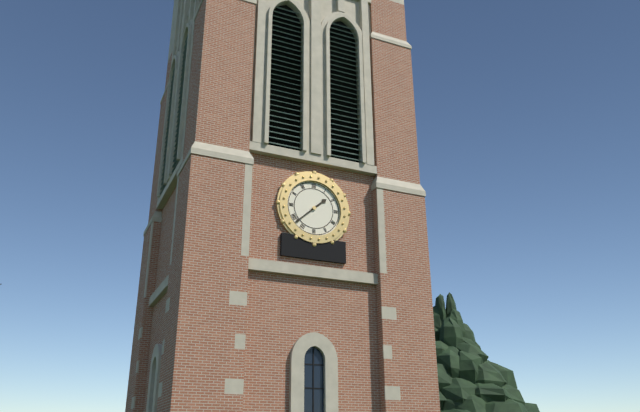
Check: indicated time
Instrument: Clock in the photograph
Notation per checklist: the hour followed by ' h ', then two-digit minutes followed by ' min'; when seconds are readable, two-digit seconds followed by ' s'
1 h 38 min
